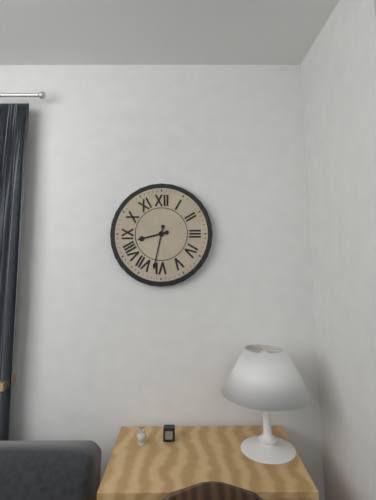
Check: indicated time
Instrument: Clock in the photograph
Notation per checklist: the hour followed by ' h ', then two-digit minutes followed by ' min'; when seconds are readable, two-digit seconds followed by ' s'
8 h 32 min
